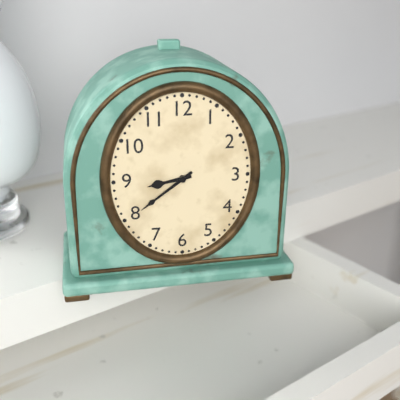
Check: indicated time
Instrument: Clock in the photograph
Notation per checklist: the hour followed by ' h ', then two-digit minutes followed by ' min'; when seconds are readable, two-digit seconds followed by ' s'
8 h 39 min
